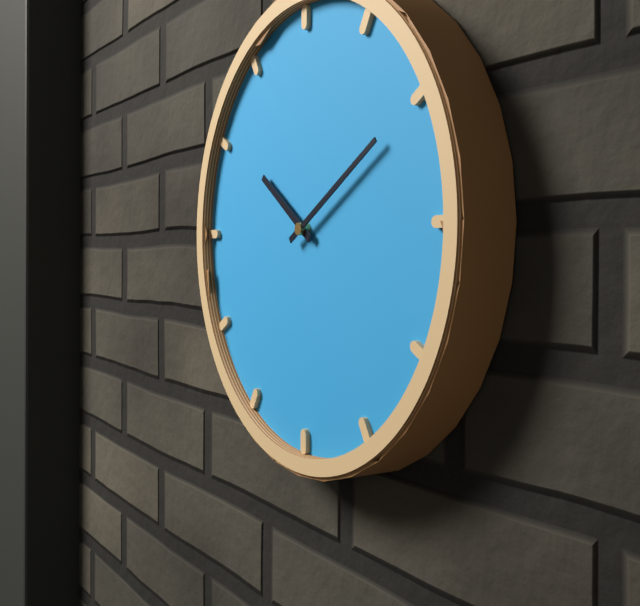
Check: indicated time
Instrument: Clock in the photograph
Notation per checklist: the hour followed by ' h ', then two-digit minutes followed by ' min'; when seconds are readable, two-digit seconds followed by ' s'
10 h 10 min
